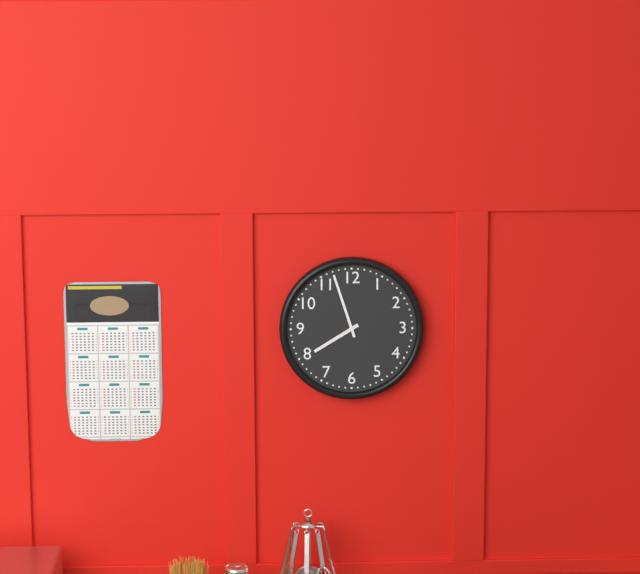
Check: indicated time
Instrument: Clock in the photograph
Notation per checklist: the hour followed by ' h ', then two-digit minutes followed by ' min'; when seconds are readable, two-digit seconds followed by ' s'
7 h 57 min
